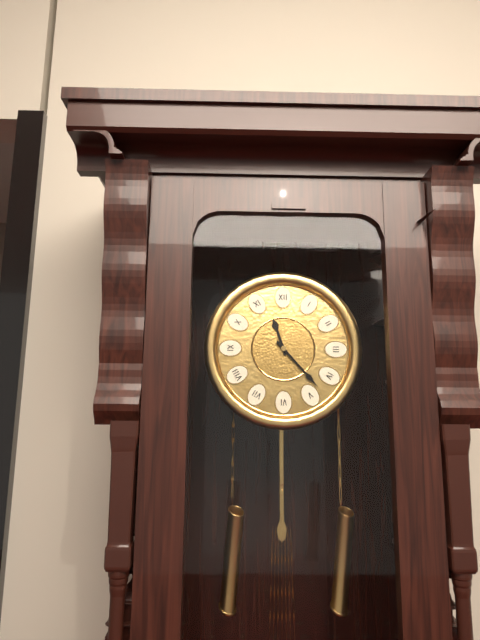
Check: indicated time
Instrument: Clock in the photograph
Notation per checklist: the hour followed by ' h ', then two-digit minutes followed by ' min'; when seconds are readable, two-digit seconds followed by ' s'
11 h 23 min
